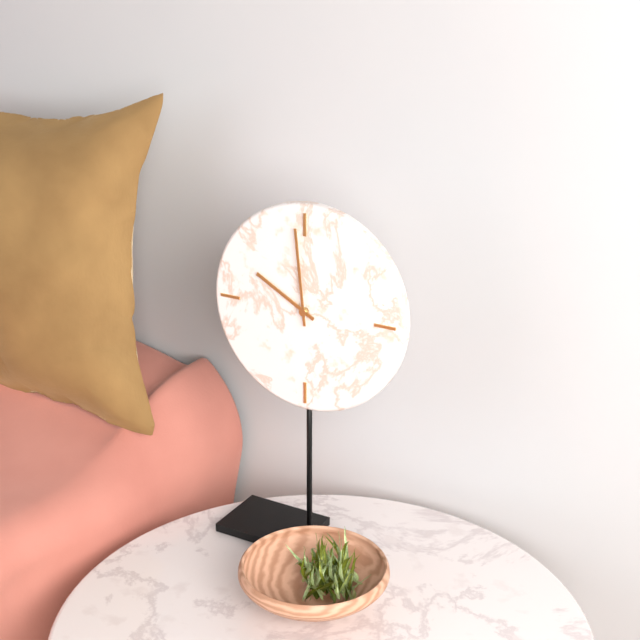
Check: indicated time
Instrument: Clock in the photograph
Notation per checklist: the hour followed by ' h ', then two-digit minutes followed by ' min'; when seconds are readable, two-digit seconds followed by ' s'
9 h 59 min
